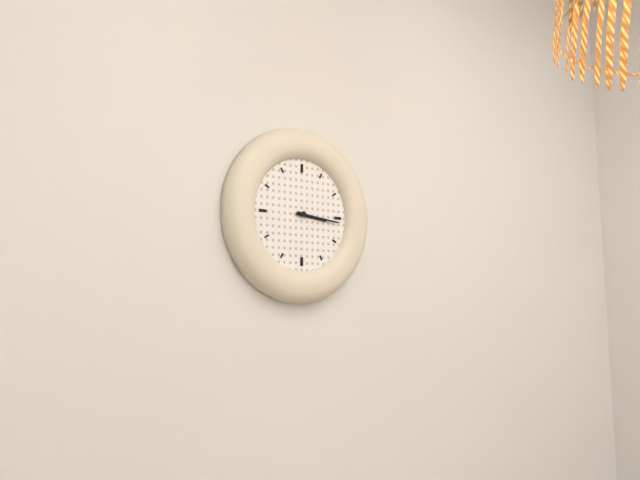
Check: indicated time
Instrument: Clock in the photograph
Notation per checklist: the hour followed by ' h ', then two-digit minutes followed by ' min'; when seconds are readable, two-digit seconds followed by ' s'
3 h 16 min
